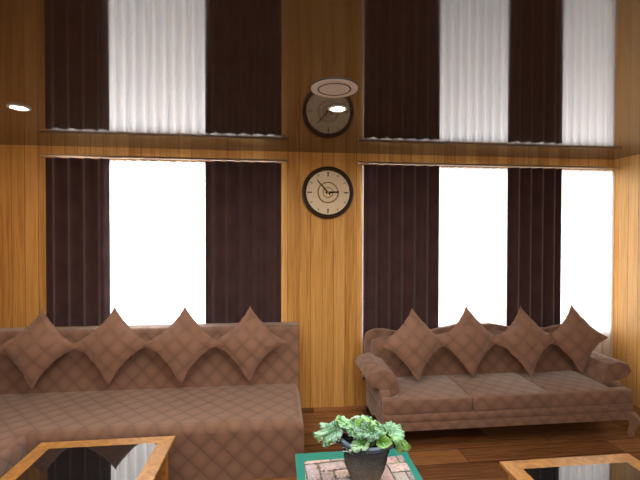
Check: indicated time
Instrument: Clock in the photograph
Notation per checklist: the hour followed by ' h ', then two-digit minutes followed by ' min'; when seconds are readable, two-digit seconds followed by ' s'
2 h 53 min
